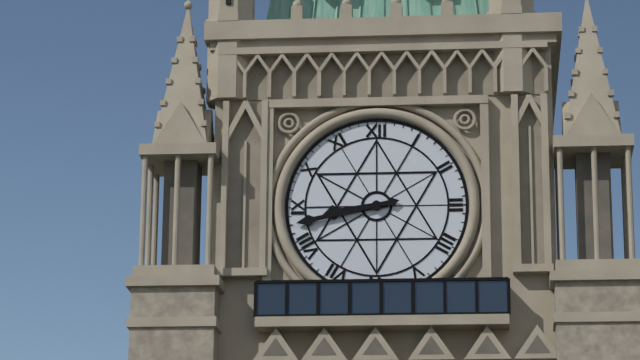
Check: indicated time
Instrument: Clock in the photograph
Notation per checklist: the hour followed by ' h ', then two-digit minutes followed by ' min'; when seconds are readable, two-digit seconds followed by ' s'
8 h 43 min
